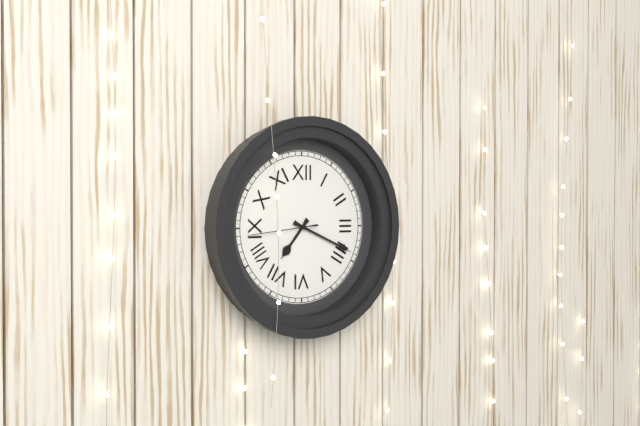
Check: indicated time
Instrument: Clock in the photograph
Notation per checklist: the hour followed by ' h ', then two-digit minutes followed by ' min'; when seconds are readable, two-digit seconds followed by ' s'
7 h 19 min 44 s
